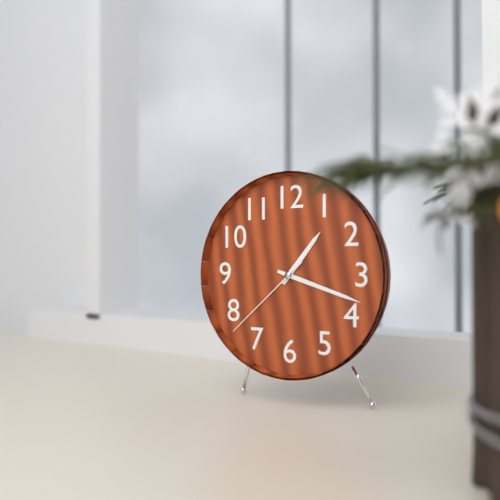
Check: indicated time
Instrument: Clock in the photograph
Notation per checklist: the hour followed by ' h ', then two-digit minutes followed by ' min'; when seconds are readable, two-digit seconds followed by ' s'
1 h 18 min 38 s
